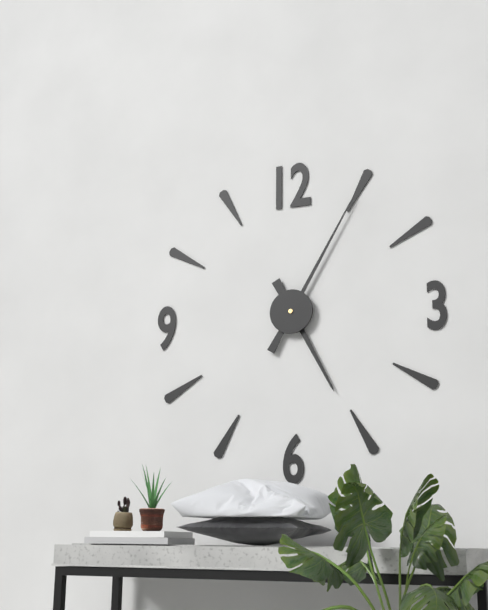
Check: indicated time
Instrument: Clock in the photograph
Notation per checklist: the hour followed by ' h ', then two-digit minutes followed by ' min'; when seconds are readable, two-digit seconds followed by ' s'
5 h 05 min
